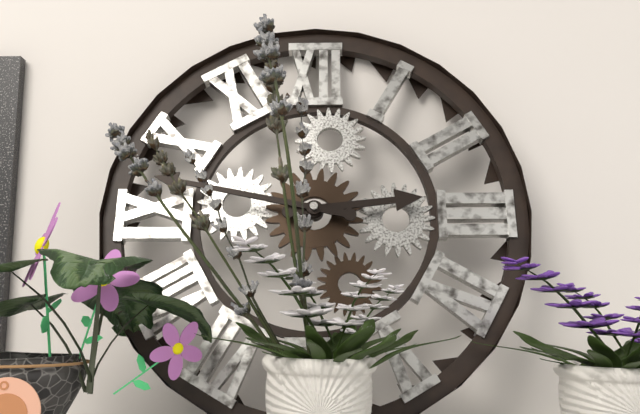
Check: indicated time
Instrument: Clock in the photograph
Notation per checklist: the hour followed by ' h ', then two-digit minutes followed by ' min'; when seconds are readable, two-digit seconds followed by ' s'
2 h 47 min
